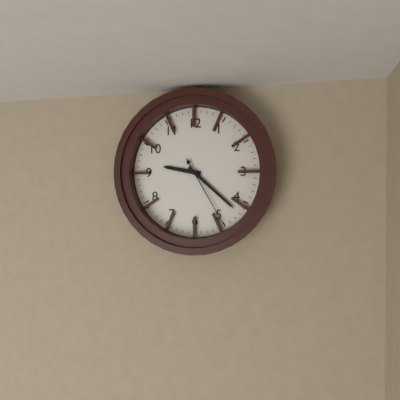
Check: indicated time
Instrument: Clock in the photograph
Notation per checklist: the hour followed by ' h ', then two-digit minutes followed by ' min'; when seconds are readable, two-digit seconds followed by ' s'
9 h 22 min 25 s
